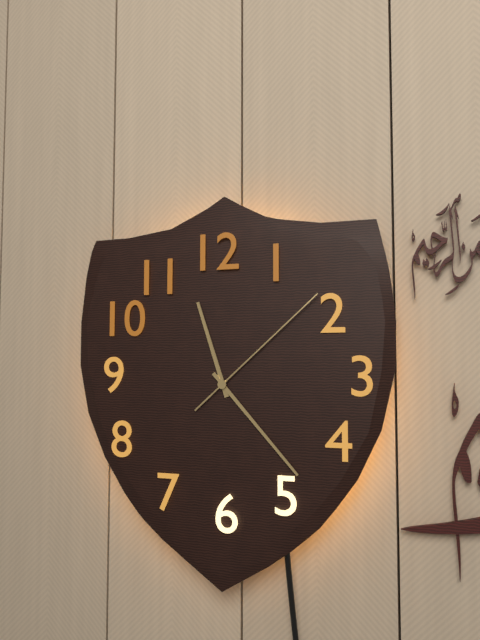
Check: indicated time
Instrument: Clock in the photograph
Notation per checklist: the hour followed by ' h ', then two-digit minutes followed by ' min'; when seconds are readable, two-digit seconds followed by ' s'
11 h 23 min 08 s
